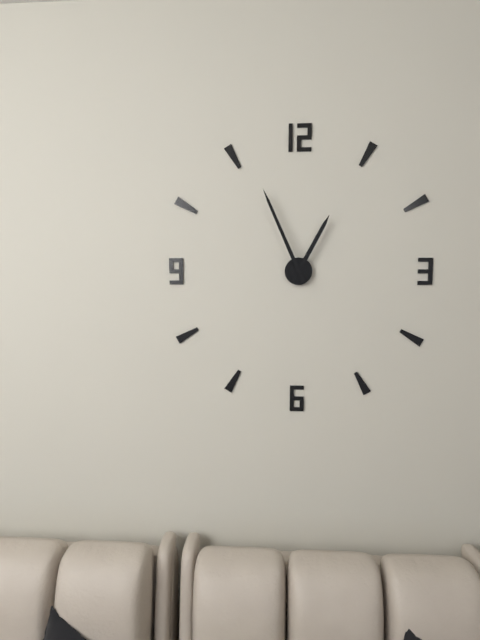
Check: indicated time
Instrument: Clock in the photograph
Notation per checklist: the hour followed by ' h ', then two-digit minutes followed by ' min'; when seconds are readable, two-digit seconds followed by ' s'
12 h 56 min
